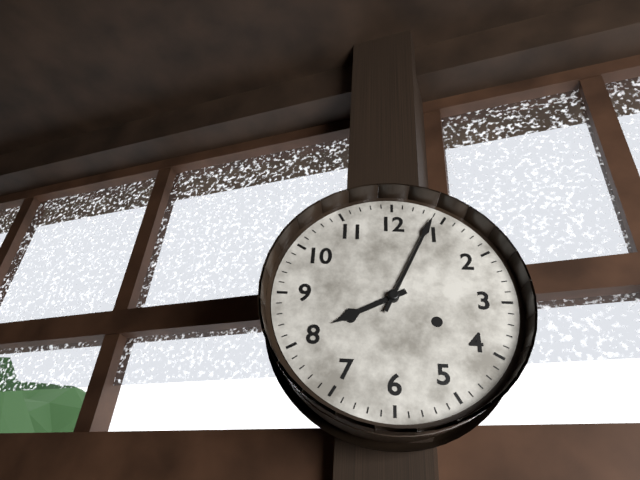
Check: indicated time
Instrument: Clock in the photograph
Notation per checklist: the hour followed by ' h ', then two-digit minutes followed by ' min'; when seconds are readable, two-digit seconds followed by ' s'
8 h 04 min
